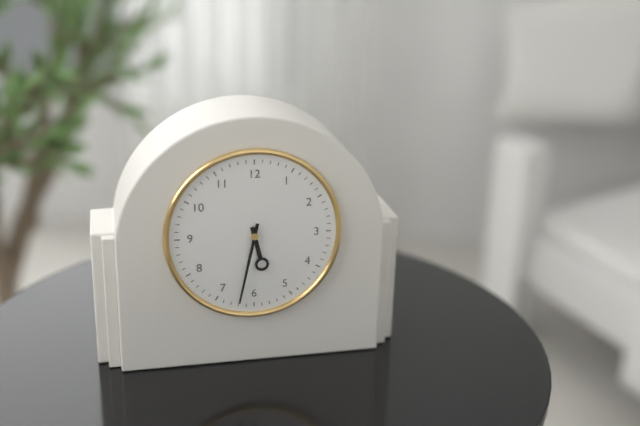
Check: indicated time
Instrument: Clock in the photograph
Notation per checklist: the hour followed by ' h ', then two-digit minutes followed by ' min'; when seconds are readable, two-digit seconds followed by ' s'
5 h 32 min
